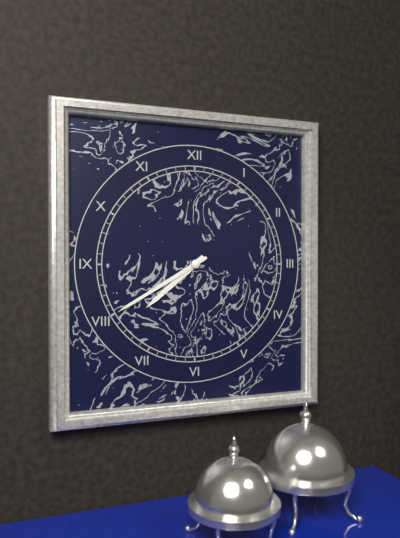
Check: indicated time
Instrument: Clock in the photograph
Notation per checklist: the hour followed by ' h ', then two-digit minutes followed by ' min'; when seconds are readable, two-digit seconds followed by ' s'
7 h 40 min
